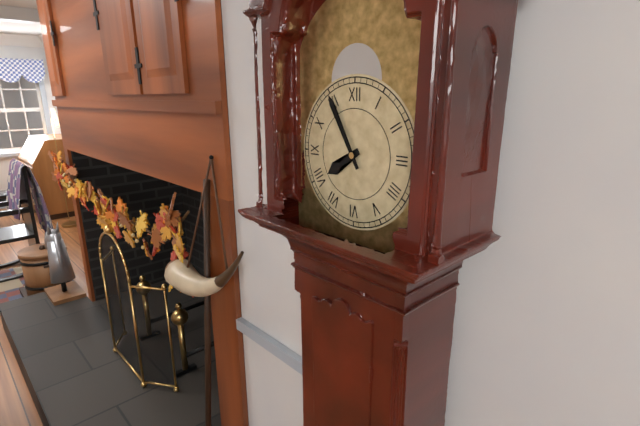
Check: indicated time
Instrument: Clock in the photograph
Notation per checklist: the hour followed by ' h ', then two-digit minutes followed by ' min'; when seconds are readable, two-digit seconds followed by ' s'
7 h 55 min
